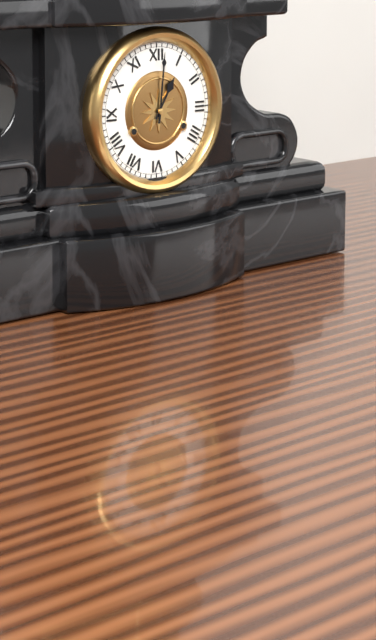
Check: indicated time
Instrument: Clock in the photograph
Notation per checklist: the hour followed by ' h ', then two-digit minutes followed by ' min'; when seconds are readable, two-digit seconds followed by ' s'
1 h 01 min
